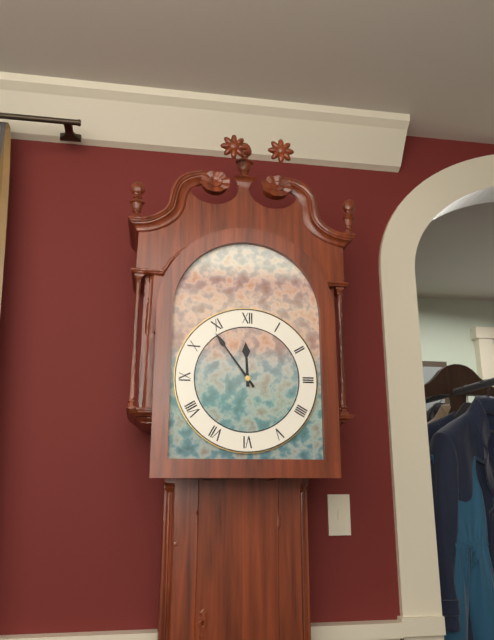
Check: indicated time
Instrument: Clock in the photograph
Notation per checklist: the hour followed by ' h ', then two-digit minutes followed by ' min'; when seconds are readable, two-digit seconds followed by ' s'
11 h 54 min
